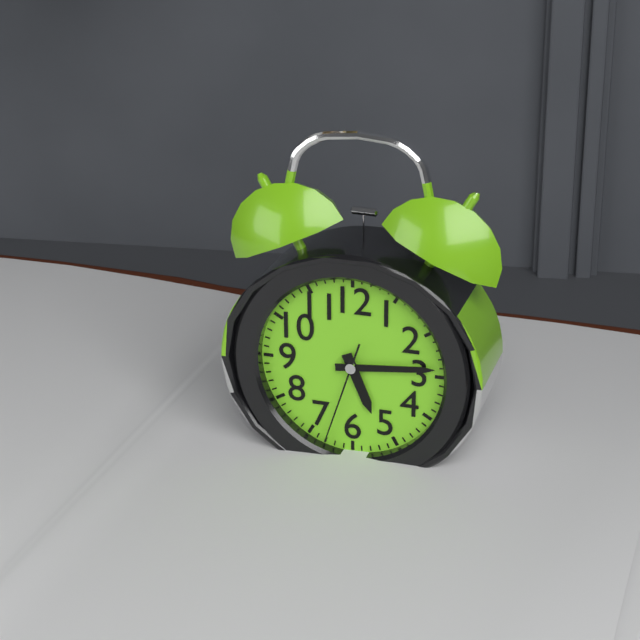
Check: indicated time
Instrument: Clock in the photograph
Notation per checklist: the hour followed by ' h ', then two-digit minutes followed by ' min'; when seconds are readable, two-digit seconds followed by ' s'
5 h 14 min 33 s
